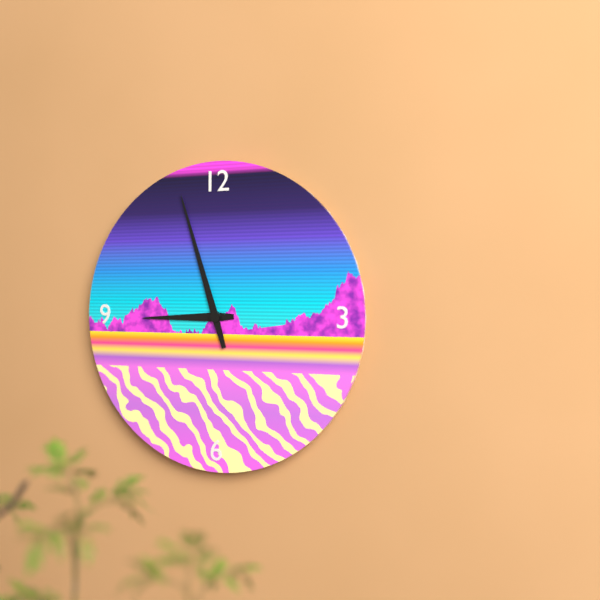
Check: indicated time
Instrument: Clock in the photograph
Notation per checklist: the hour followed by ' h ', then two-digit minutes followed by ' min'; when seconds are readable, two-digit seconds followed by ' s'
8 h 57 min
